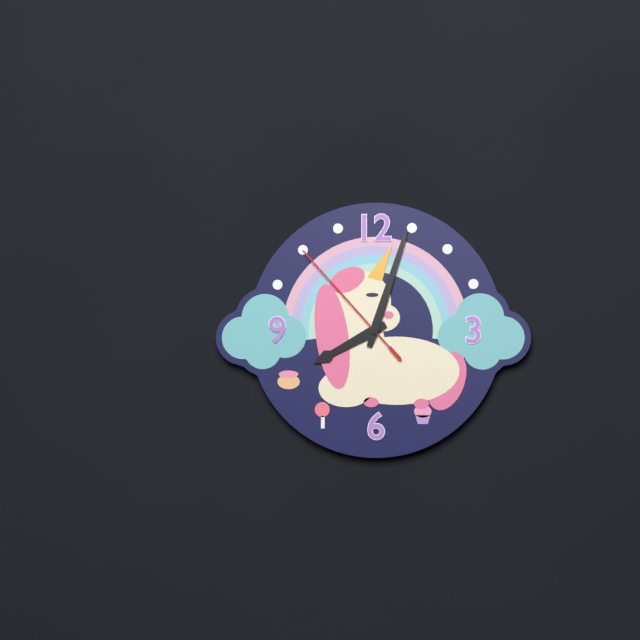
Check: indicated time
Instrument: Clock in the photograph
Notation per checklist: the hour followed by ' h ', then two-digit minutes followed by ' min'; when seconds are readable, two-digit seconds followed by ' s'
8 h 03 min 53 s
